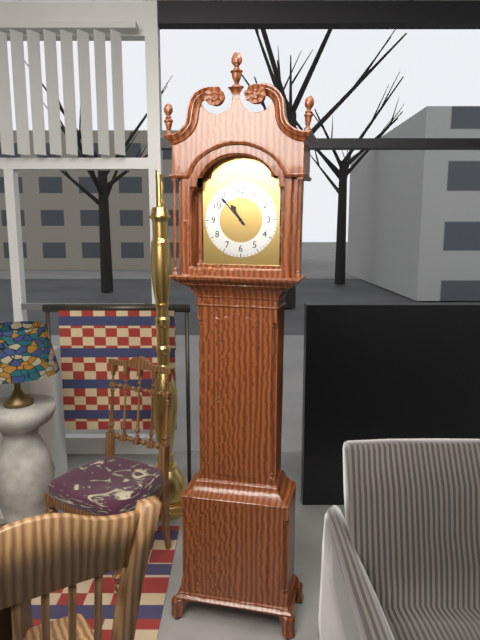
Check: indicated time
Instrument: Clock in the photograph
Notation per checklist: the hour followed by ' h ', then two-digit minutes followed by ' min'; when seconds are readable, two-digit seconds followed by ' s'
10 h 53 min
